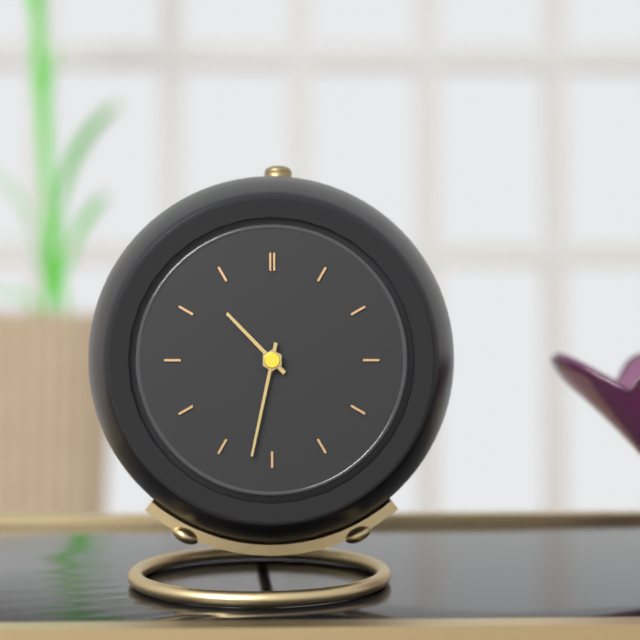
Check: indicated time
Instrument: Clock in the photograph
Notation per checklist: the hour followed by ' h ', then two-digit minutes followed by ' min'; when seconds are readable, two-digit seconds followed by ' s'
10 h 32 min
